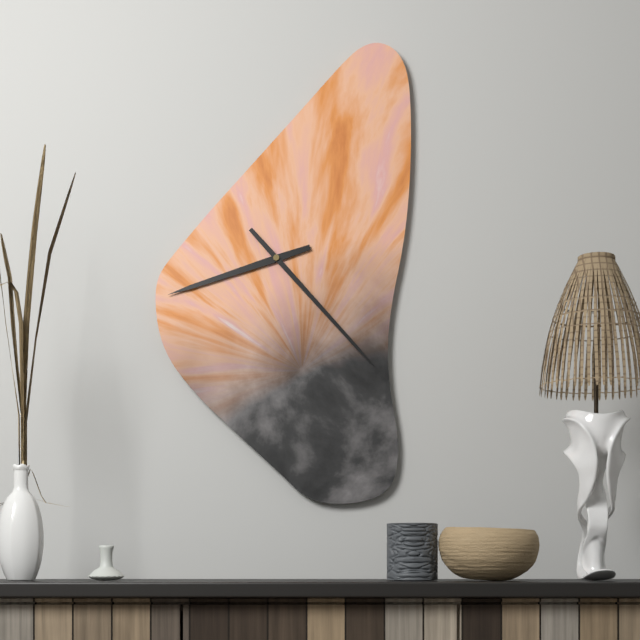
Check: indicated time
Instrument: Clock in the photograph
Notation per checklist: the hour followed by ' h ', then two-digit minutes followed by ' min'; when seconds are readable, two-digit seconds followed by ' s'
8 h 23 min
